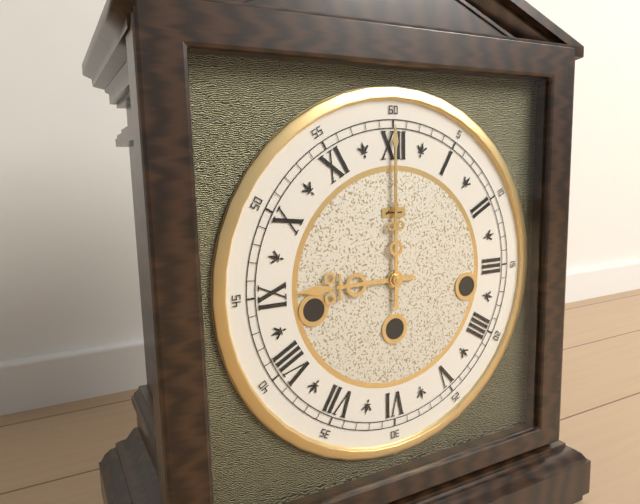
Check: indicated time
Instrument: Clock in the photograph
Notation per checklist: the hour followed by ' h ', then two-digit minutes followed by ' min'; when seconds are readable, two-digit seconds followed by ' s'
9 h 00 min
